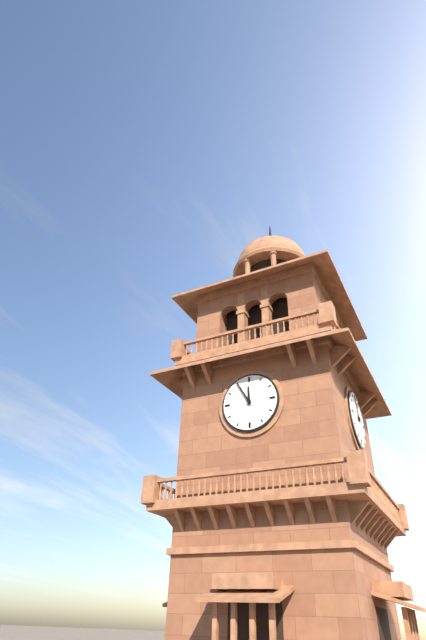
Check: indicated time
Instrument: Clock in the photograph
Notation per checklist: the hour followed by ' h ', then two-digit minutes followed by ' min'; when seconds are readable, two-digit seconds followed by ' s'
11 h 55 min
